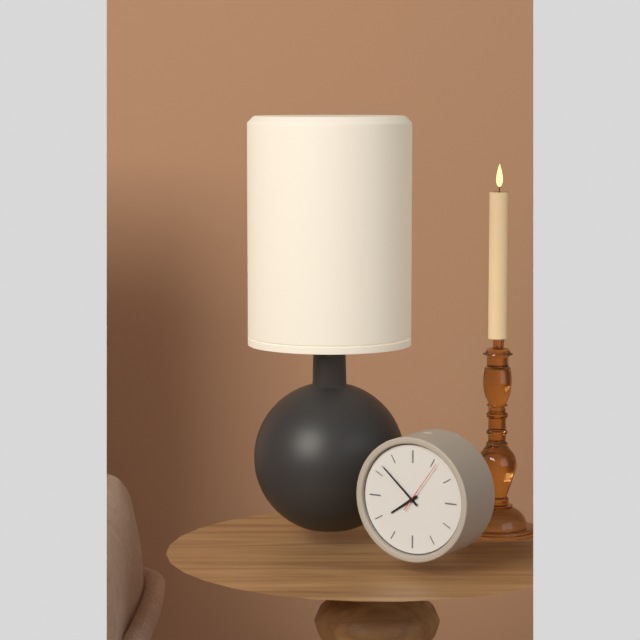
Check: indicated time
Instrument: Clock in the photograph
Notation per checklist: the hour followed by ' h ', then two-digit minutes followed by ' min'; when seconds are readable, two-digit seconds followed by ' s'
7 h 52 min 06 s
